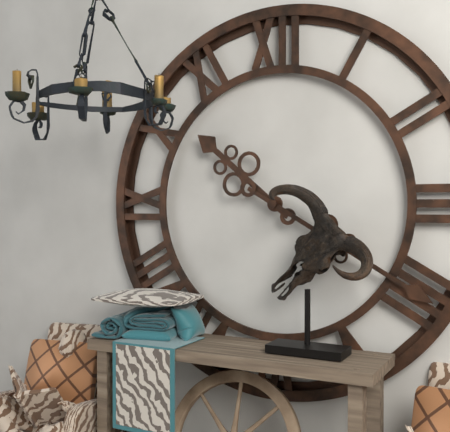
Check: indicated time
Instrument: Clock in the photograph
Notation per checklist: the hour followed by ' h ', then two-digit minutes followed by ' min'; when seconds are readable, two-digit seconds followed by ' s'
10 h 20 min
